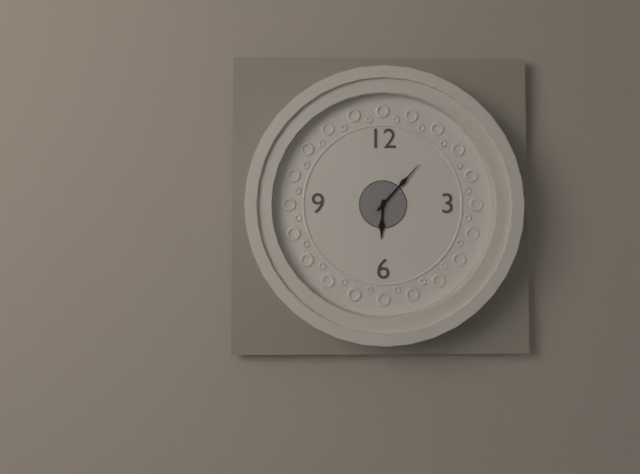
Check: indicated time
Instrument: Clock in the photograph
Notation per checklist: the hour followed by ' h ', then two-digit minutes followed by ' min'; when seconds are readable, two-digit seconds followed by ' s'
6 h 07 min
